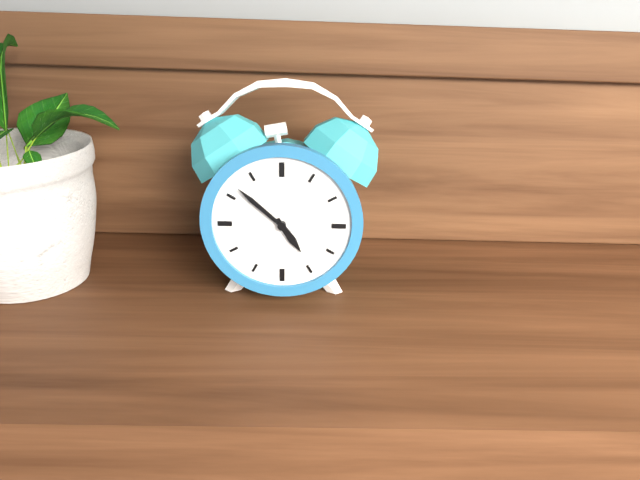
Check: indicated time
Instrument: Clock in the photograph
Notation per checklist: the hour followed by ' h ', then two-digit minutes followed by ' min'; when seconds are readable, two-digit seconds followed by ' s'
4 h 52 min
